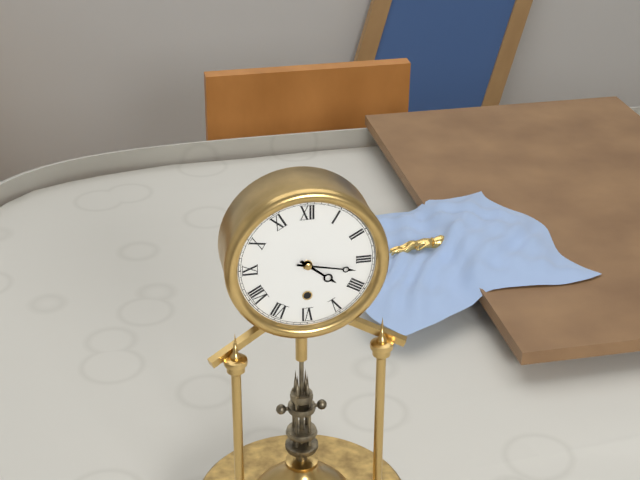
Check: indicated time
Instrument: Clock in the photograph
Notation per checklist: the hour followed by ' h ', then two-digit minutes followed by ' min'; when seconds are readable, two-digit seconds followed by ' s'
4 h 17 min
